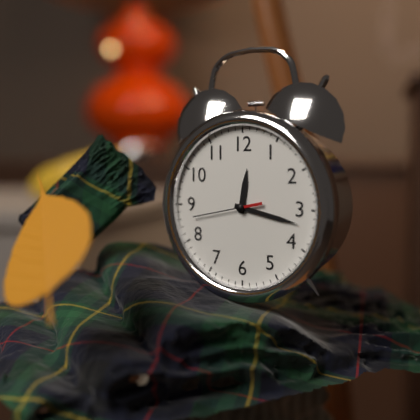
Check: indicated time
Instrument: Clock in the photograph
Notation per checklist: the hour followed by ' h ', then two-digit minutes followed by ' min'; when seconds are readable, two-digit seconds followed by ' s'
12 h 17 min 43 s
